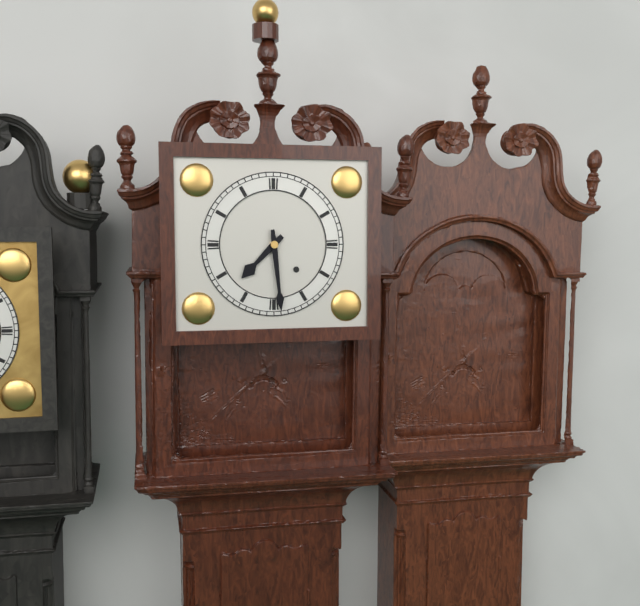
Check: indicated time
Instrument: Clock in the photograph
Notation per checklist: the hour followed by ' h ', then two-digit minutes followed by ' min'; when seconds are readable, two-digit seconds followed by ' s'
7 h 29 min
